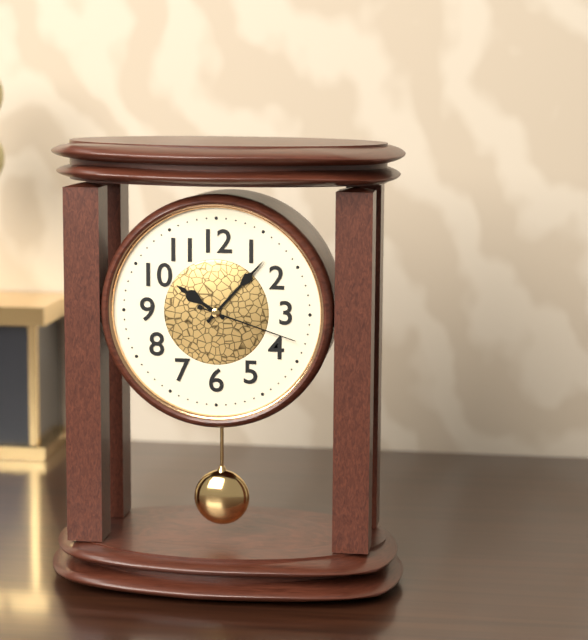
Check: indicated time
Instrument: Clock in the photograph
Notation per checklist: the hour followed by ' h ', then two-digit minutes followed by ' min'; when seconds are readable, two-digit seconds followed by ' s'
10 h 07 min 18 s
